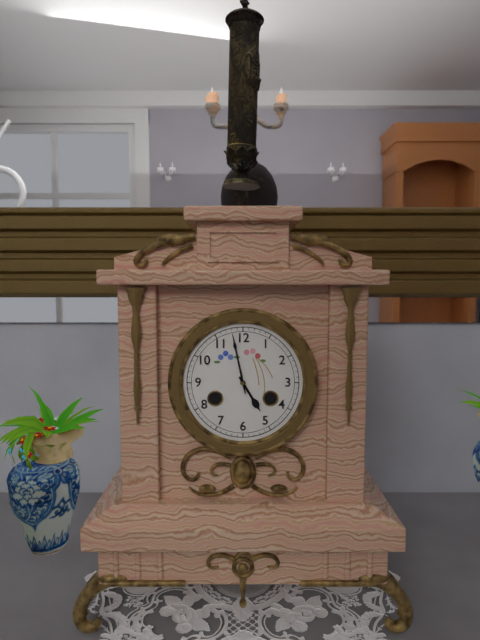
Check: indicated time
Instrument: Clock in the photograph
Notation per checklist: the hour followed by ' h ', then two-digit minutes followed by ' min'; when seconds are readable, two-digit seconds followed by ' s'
4 h 58 min
